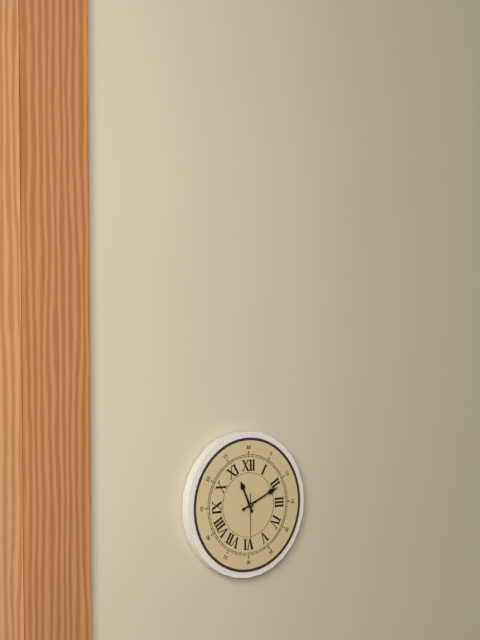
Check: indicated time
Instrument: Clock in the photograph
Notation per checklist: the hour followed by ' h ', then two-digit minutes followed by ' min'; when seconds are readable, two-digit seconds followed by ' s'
11 h 11 min 30 s
